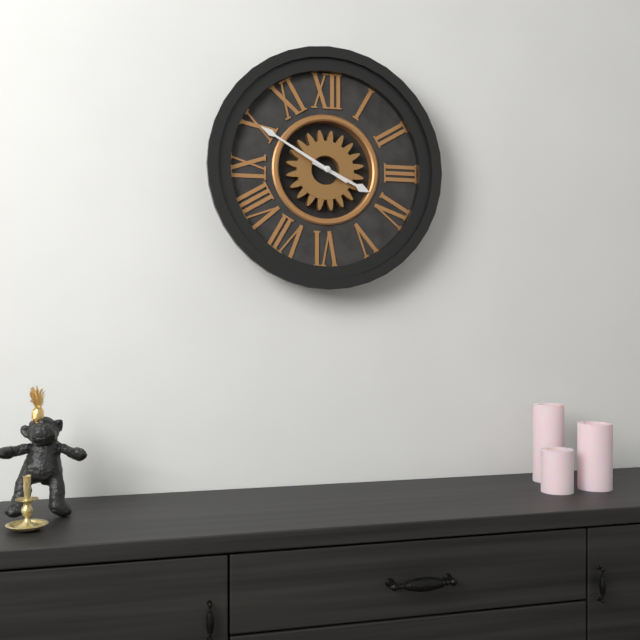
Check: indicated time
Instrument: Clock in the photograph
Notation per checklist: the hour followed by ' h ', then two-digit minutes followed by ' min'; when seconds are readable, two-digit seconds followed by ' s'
3 h 50 min
